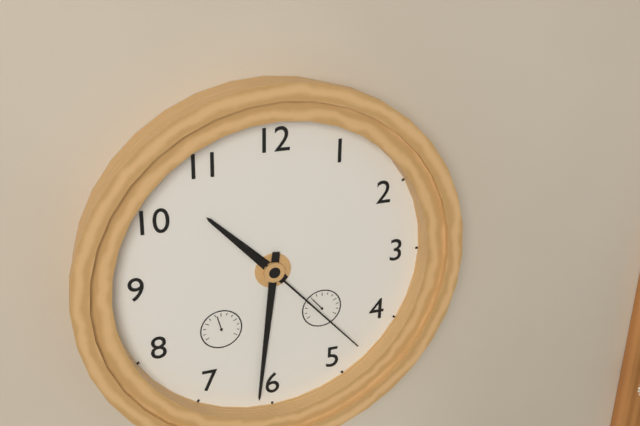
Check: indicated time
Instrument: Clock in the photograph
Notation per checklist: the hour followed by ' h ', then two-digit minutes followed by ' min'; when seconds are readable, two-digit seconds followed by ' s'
10 h 31 min 23 s
